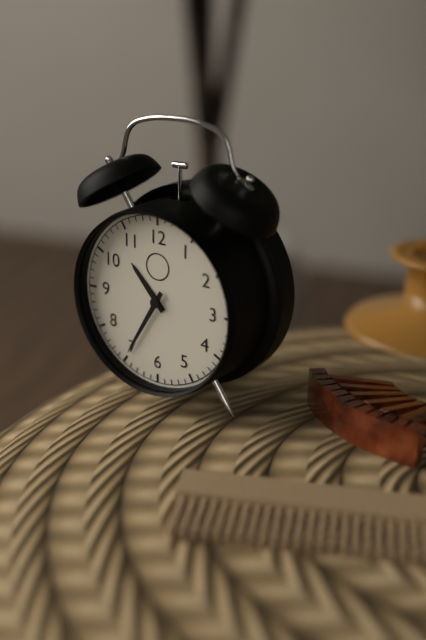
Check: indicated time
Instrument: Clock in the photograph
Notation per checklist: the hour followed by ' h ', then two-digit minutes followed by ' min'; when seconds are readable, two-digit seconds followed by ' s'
10 h 35 min
